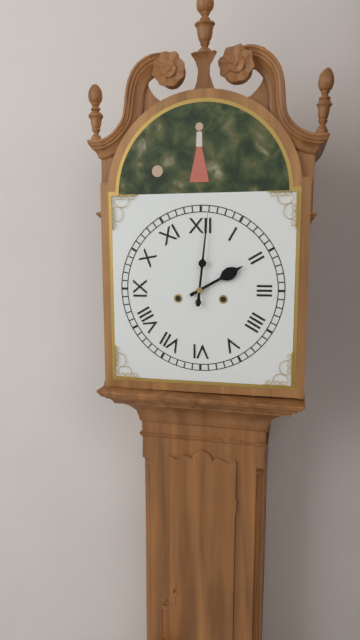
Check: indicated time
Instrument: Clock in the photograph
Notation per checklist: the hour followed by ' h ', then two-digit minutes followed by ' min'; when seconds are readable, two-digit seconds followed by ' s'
2 h 01 min
